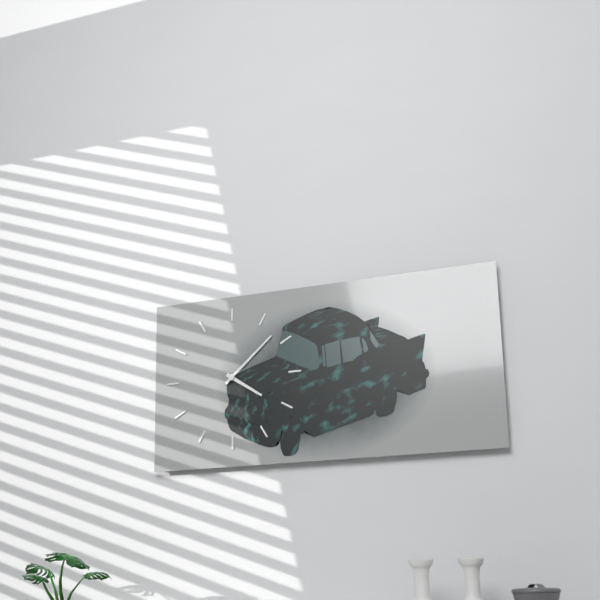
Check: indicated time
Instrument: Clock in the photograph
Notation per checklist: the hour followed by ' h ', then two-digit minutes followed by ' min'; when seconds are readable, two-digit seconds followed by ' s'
4 h 08 min
